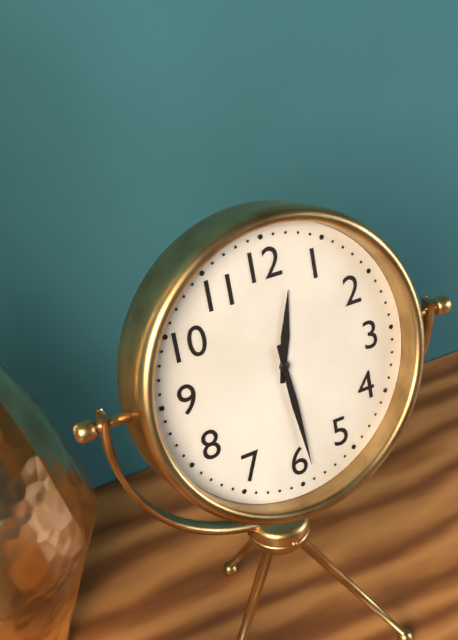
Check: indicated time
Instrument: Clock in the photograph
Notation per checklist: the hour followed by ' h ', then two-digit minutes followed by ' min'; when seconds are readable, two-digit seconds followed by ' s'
12 h 29 min
